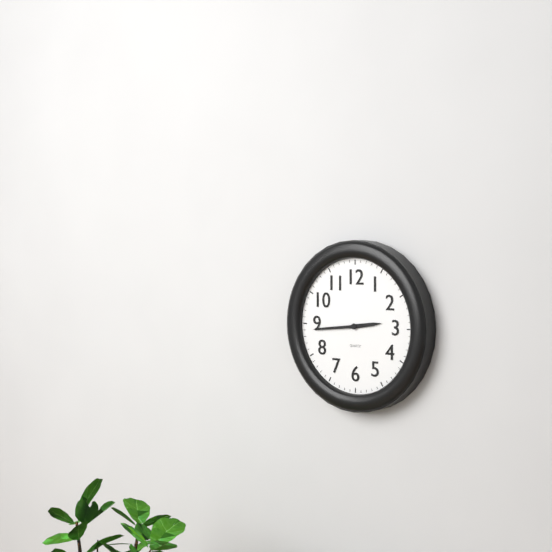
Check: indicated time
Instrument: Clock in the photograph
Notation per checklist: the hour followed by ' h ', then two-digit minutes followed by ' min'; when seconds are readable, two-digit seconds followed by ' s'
2 h 44 min
